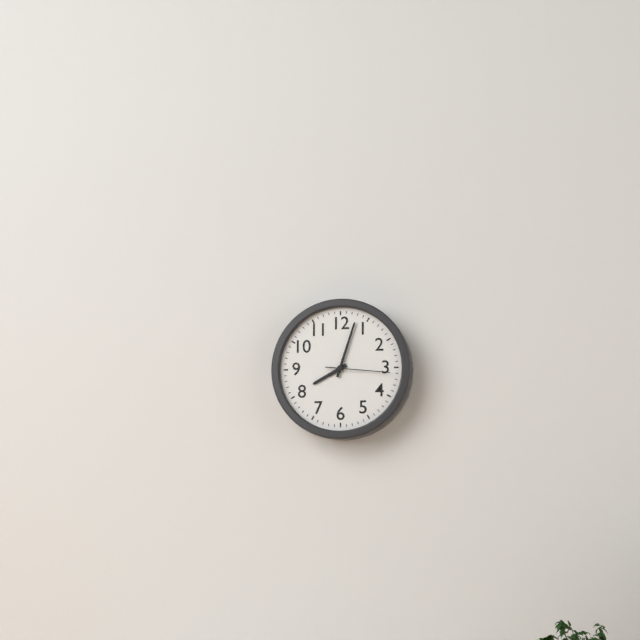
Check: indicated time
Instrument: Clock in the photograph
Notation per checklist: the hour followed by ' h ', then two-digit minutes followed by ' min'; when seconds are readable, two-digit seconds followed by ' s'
8 h 03 min 16 s
